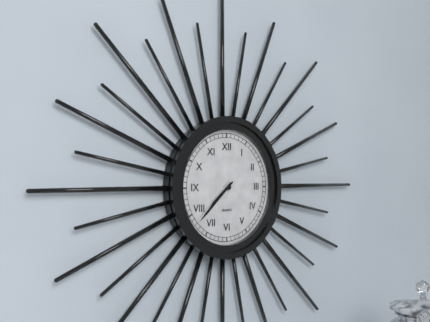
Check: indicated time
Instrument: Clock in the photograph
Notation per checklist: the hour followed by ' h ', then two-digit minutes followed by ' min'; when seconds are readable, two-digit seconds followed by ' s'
7 h 38 min
